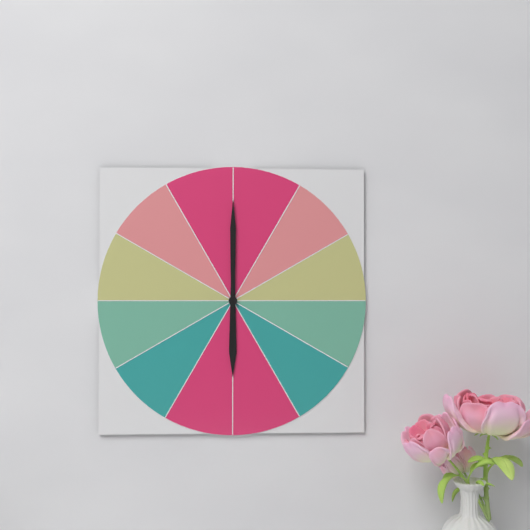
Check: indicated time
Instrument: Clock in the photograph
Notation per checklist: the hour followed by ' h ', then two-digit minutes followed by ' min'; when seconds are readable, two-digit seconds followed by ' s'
6 h 00 min
